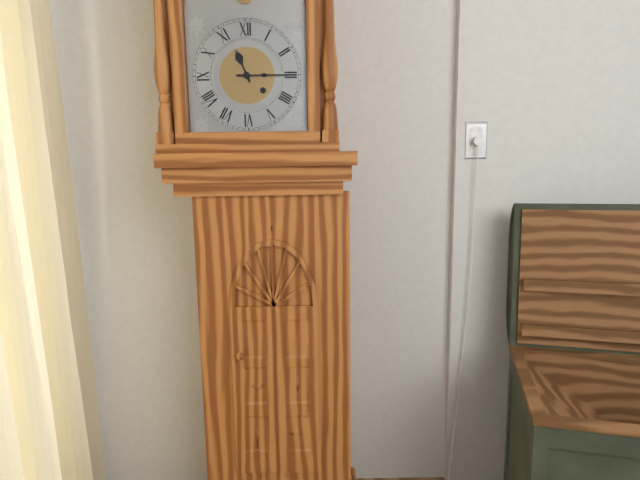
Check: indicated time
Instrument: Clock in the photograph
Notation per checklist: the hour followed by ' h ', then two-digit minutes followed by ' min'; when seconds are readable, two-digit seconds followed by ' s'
11 h 15 min
